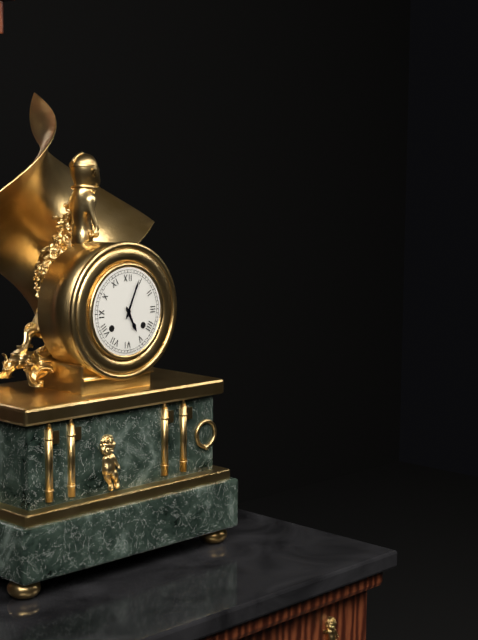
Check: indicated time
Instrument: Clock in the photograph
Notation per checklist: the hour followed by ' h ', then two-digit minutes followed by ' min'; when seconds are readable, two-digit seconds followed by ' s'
5 h 04 min
